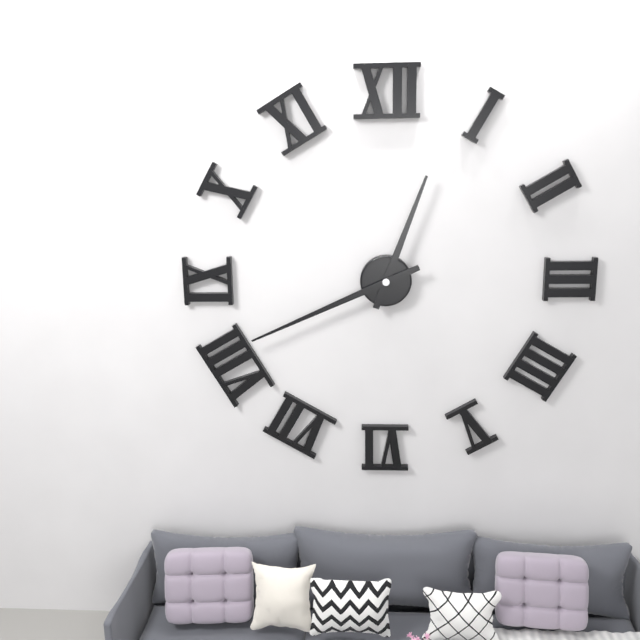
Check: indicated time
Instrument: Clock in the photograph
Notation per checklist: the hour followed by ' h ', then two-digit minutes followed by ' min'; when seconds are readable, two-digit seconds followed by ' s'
12 h 41 min
